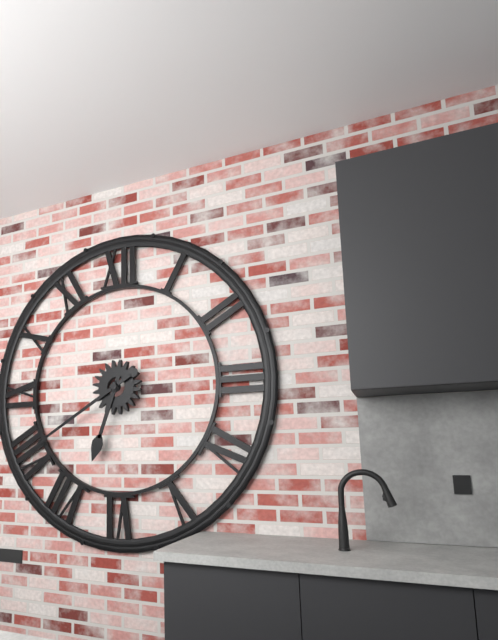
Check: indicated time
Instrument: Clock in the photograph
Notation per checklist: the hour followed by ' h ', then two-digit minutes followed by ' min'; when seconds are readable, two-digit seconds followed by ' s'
6 h 40 min
